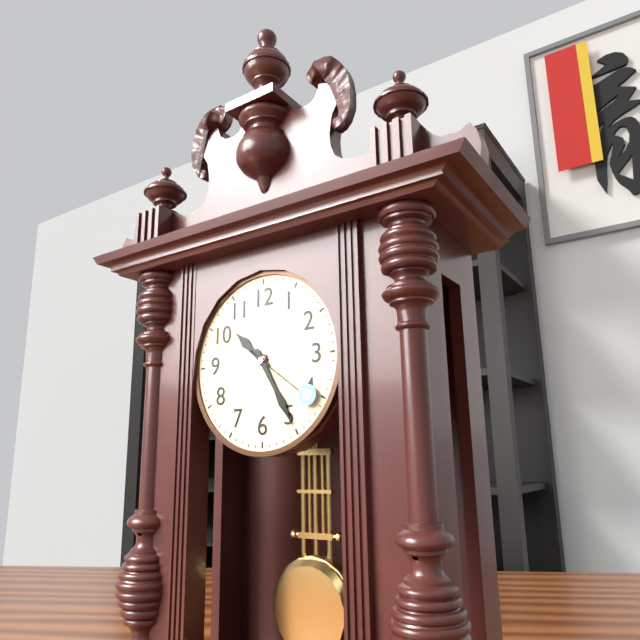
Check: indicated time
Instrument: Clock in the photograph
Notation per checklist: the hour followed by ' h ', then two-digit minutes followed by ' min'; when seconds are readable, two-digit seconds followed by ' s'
10 h 25 min 21 s
